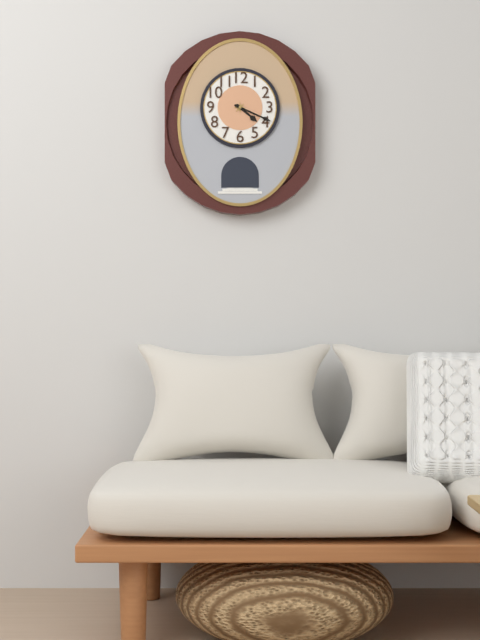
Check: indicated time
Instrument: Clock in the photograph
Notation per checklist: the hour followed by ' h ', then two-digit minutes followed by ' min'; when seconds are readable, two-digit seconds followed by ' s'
4 h 19 min
